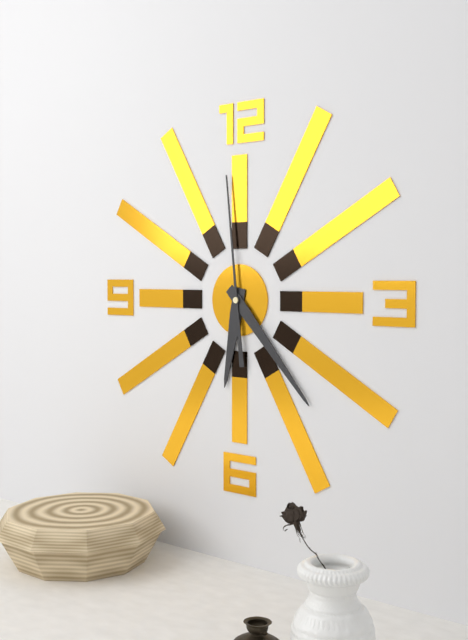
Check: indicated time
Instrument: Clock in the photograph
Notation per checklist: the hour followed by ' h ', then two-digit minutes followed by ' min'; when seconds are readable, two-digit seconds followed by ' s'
6 h 23 min 59 s
